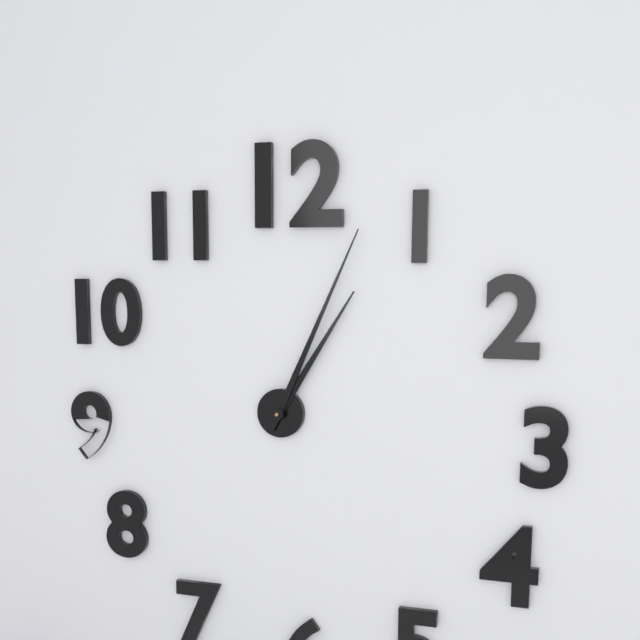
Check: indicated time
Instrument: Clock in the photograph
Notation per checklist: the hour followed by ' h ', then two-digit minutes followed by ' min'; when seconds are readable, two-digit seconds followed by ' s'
1 h 04 min
